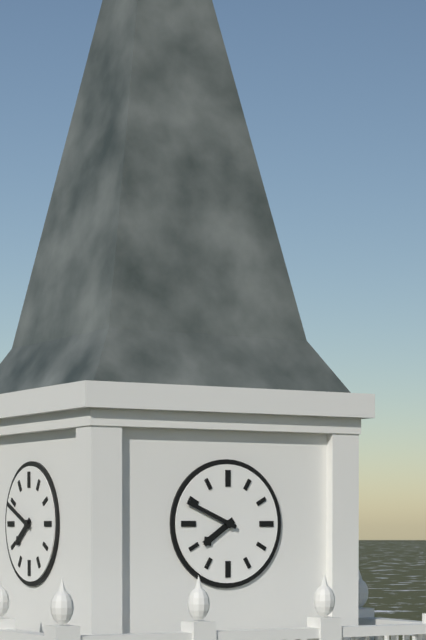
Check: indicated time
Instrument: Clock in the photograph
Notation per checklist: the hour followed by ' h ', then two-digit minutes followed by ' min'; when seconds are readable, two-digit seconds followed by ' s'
7 h 49 min
